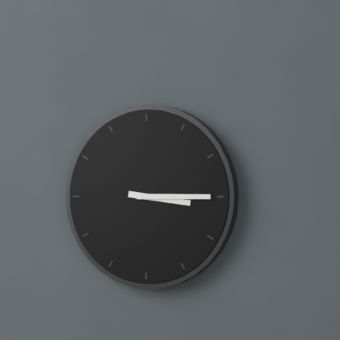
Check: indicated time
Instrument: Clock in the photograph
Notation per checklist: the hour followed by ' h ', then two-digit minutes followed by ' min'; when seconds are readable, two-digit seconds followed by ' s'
3 h 15 min
